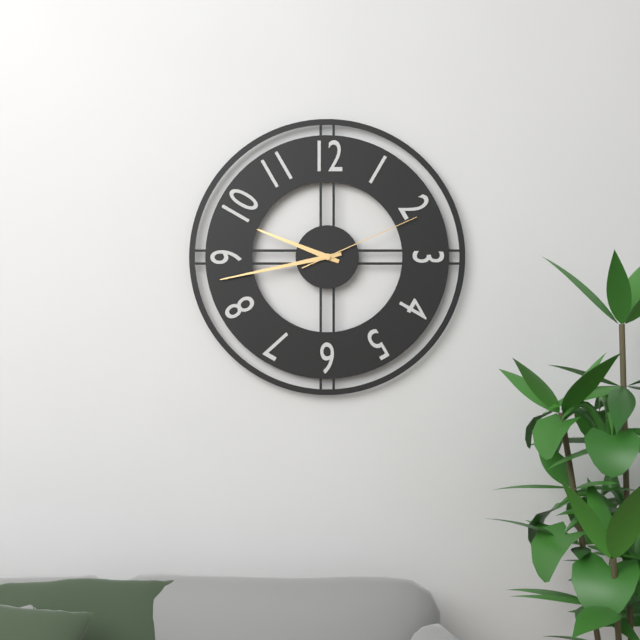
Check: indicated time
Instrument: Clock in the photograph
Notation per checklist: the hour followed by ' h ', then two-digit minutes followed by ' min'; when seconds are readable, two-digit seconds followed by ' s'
9 h 43 min 11 s
